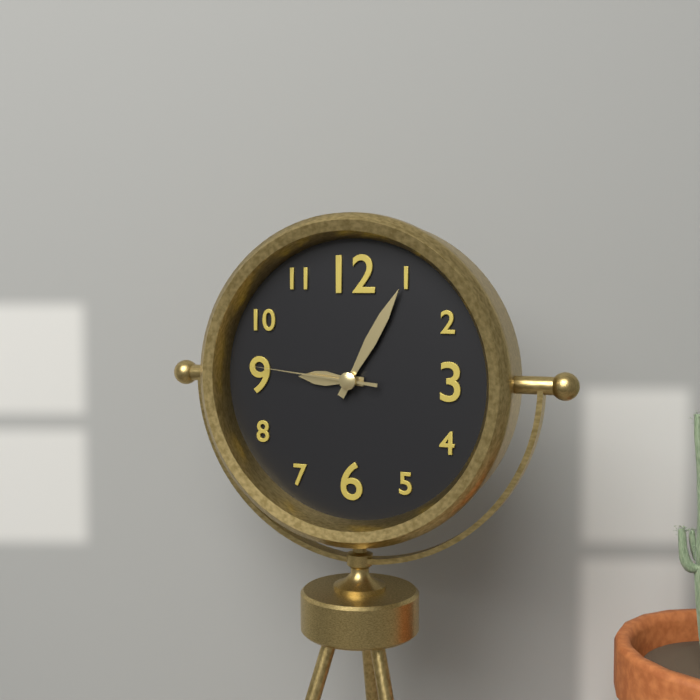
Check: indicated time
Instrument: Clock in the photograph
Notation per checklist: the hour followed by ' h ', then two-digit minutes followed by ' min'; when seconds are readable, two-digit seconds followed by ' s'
9 h 05 min 46 s
